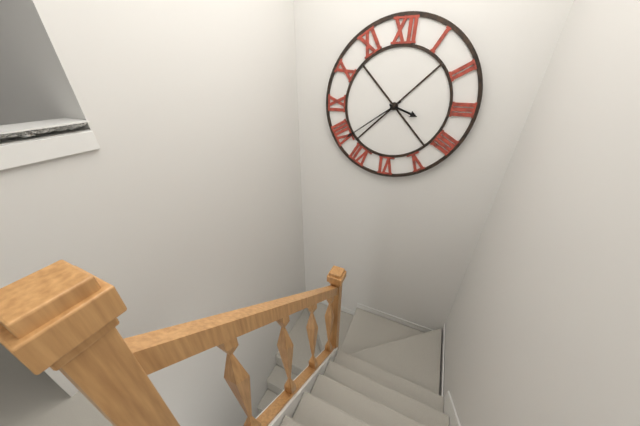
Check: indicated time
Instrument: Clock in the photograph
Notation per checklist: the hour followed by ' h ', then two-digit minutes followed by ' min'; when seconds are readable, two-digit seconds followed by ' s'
3 h 39 min
